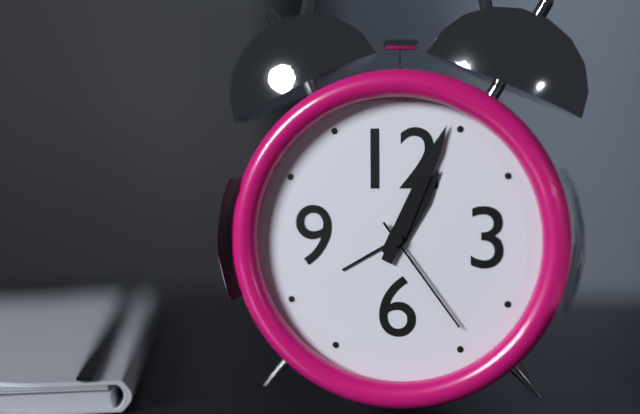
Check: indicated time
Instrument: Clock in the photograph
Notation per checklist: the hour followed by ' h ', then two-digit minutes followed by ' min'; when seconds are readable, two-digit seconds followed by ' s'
1 h 04 min 24 s
